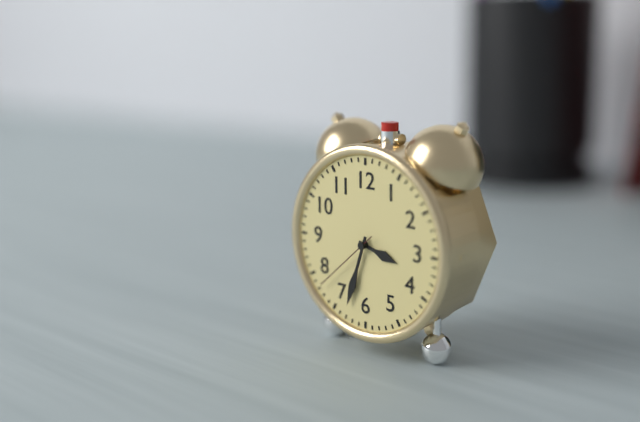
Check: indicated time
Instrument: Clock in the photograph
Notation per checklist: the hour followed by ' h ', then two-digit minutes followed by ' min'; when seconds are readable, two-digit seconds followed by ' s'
3 h 33 min 38 s
